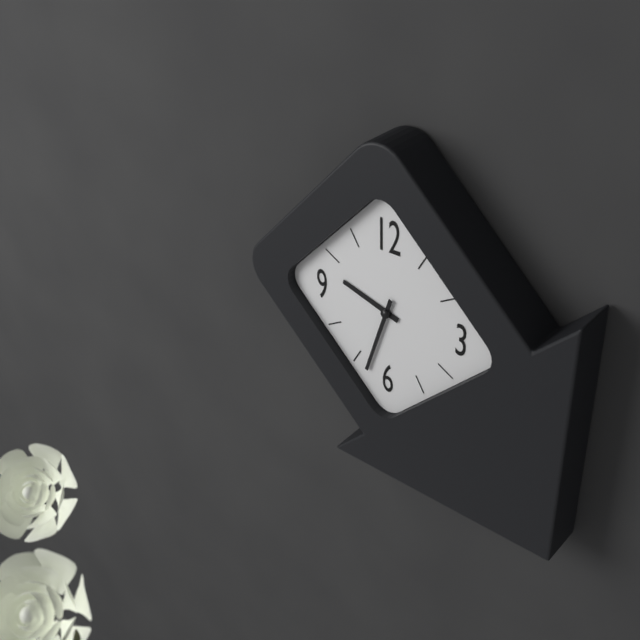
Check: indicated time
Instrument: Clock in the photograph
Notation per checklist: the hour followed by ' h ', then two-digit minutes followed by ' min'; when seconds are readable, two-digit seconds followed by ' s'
9 h 33 min
